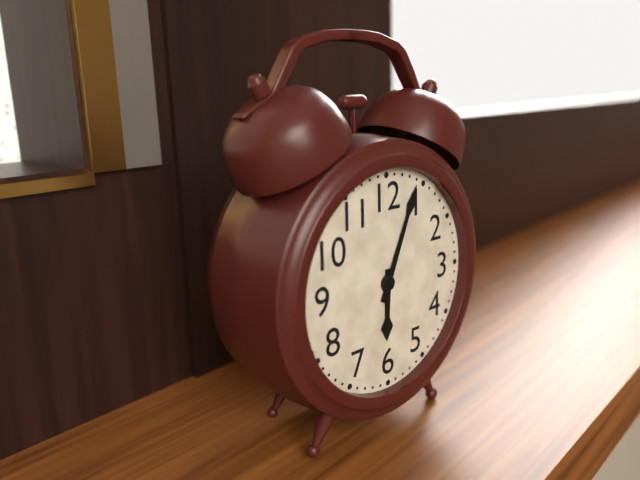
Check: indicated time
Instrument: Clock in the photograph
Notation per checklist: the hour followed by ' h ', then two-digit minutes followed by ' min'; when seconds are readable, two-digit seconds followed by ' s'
6 h 04 min
